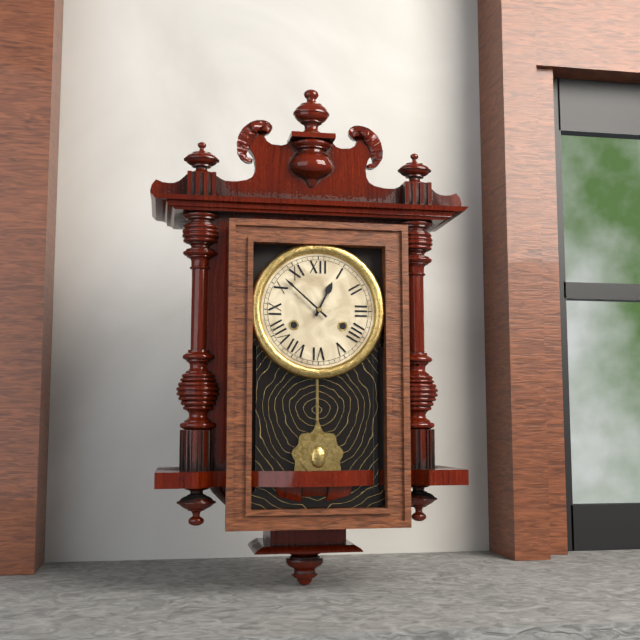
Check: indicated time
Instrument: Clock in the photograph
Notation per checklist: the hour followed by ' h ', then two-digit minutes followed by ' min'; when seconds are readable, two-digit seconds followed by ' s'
12 h 52 min
